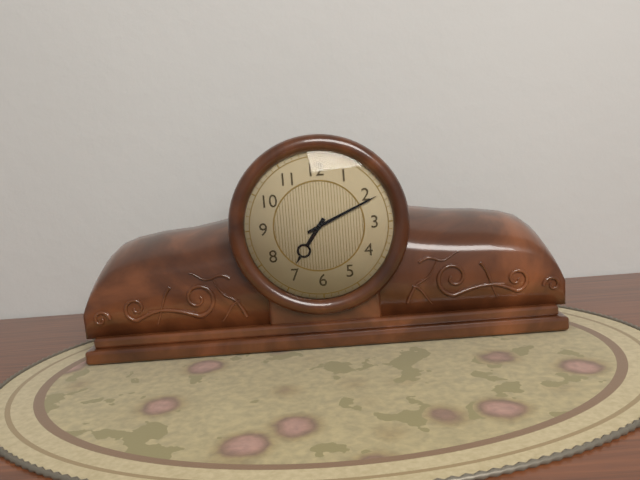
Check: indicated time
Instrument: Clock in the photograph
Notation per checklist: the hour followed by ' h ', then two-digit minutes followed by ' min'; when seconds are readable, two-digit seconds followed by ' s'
7 h 11 min
